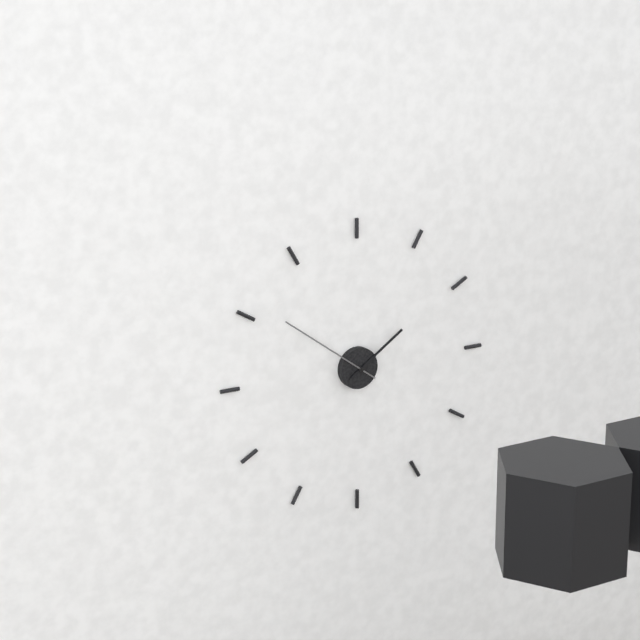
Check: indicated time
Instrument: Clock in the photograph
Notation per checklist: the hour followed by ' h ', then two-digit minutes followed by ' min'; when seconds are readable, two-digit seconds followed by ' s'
1 h 51 min
